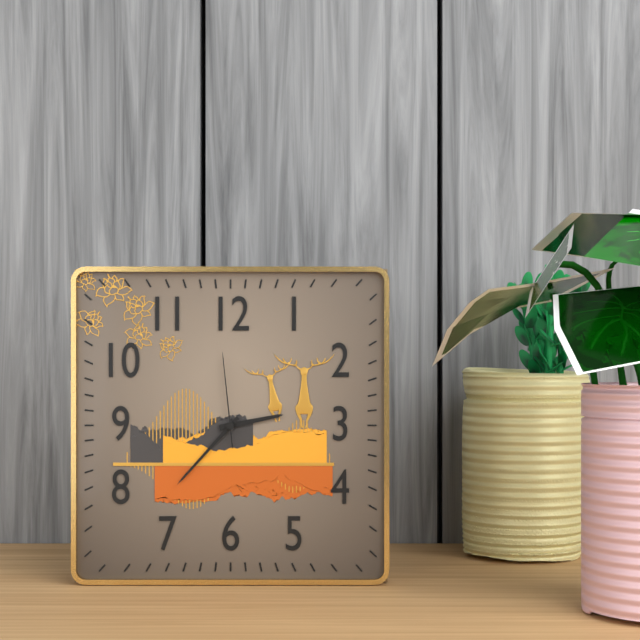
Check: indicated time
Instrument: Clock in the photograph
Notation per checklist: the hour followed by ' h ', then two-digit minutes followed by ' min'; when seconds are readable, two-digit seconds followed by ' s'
2 h 37 min 59 s
